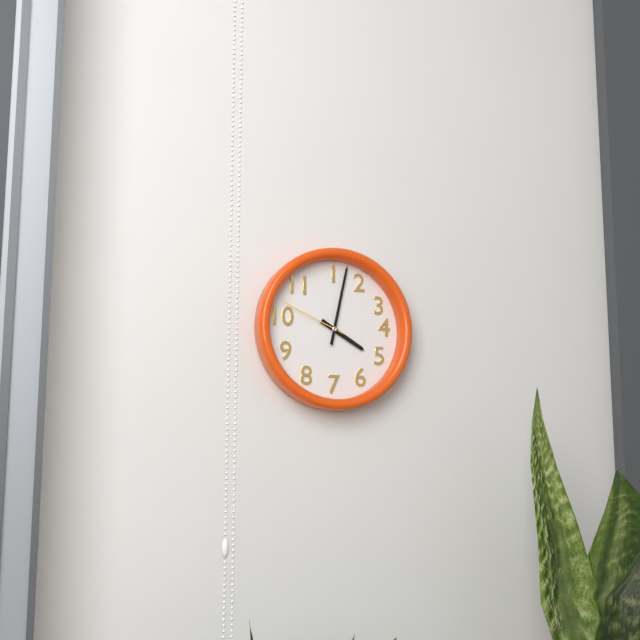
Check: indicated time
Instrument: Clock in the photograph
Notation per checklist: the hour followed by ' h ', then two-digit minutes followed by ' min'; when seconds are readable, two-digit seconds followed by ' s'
4 h 02 min 49 s
